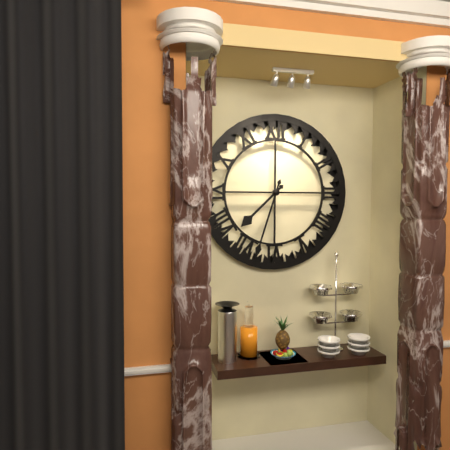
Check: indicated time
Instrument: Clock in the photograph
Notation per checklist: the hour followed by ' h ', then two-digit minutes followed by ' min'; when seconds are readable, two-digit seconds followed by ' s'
7 h 33 min
